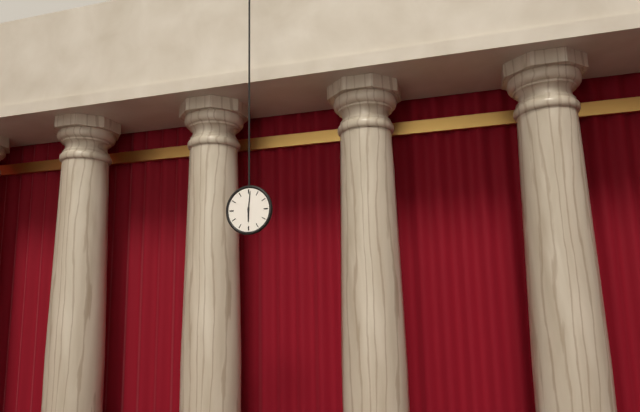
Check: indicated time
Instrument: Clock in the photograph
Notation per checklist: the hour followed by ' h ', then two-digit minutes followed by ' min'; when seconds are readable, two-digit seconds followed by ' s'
6 h 01 min
